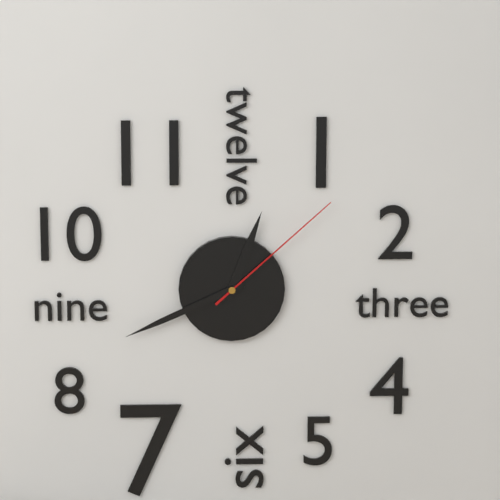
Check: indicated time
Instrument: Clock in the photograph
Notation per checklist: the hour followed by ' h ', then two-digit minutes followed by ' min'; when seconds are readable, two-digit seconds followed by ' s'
12 h 41 min 08 s
